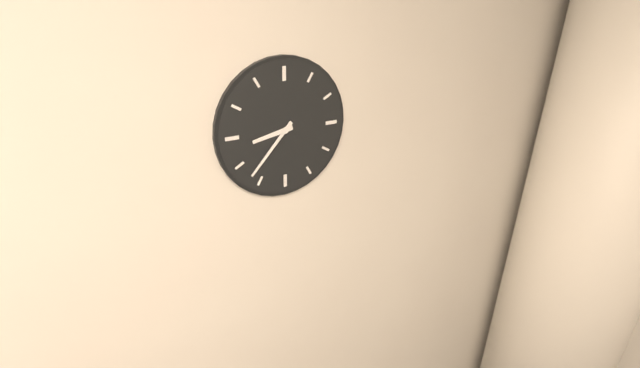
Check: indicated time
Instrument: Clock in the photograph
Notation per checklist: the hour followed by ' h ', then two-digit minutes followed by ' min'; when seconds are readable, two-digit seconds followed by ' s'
8 h 37 min
